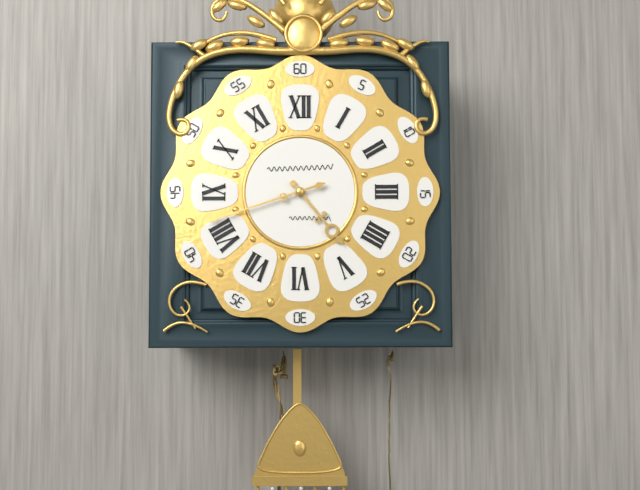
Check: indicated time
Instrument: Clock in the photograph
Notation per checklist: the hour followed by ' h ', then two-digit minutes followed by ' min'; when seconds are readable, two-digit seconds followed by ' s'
4 h 42 min
